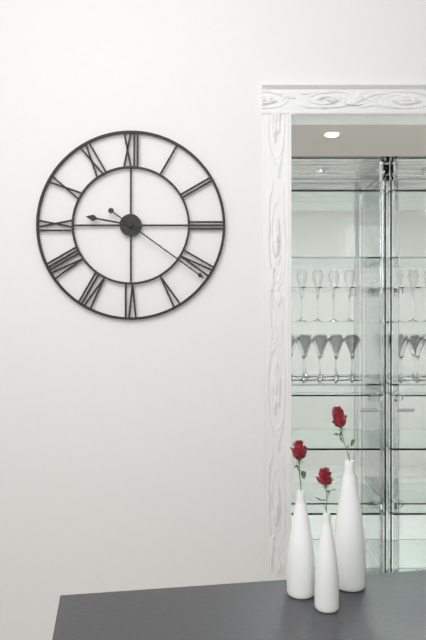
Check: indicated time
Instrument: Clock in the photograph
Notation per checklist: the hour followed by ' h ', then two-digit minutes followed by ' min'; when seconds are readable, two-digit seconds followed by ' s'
9 h 21 min
